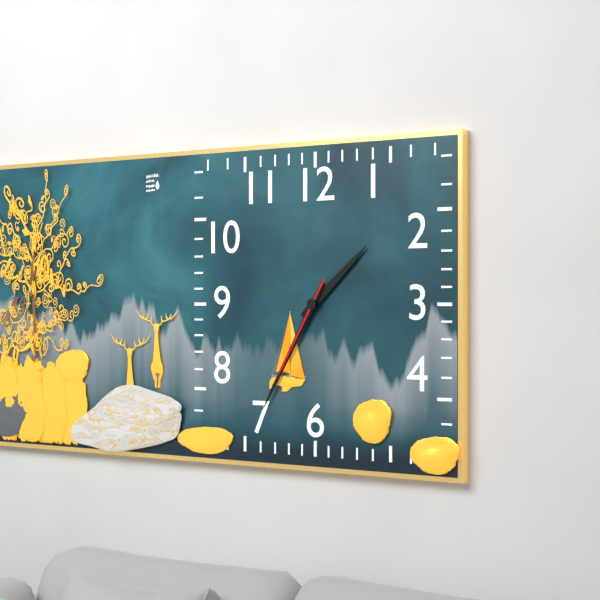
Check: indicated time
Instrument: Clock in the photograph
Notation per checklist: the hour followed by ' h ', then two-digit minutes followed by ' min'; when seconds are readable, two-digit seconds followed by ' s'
1 h 35 min 35 s
